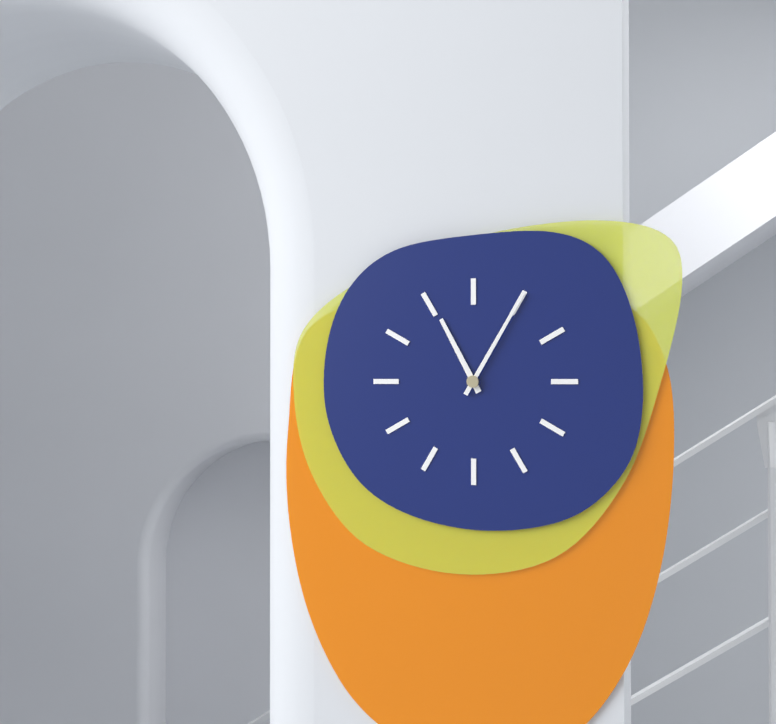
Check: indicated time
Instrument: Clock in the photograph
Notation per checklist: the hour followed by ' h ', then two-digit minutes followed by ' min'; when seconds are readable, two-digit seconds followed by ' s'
11 h 05 min
